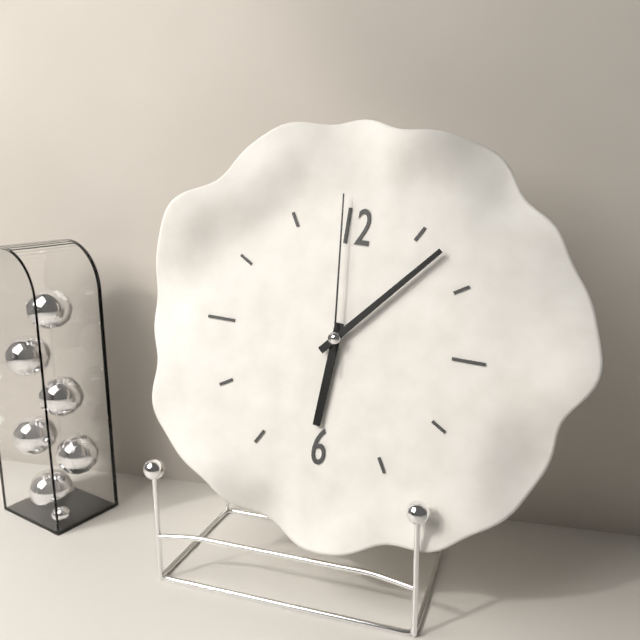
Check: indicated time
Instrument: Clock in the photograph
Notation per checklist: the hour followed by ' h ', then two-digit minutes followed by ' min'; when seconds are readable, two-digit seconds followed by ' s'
6 h 07 min 59 s
